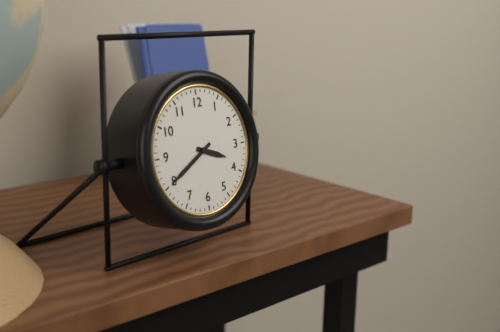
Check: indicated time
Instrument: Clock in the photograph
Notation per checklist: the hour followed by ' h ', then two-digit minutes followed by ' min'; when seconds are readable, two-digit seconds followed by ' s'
3 h 40 min
